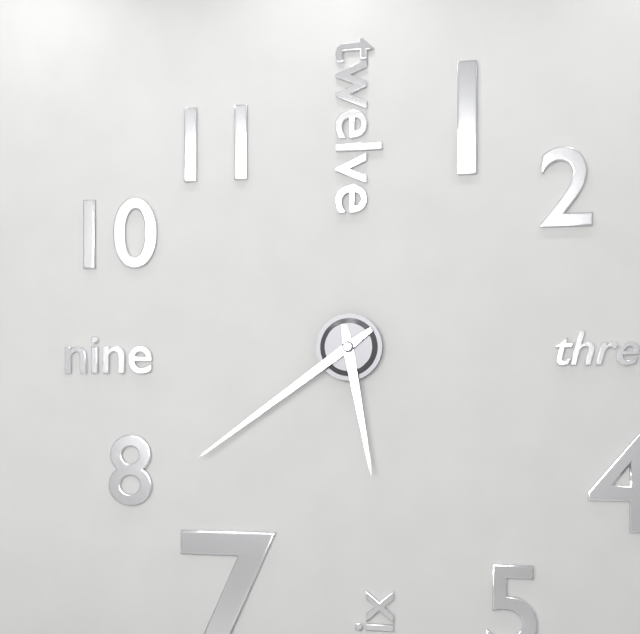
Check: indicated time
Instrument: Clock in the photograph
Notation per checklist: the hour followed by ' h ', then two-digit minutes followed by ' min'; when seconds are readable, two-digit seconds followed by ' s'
5 h 39 min
